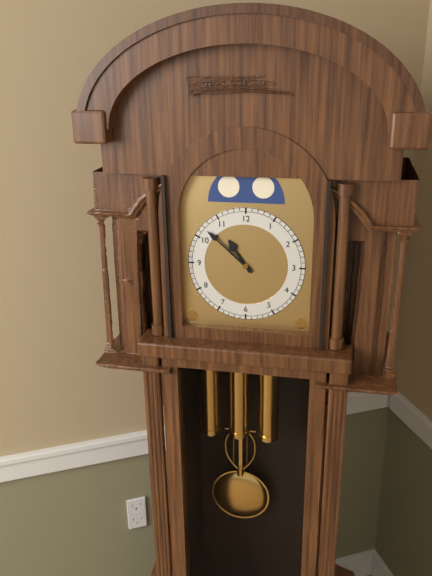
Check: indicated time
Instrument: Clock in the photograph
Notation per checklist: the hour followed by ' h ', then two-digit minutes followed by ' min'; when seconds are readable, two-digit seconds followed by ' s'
10 h 52 min
